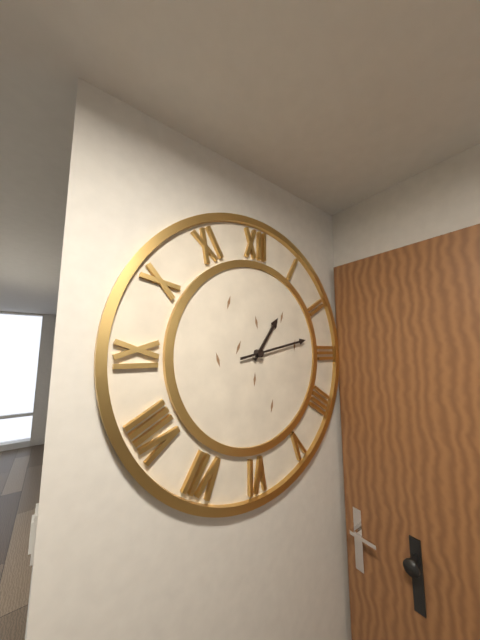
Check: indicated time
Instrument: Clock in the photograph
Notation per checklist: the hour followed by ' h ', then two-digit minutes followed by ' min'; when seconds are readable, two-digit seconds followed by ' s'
1 h 13 min
